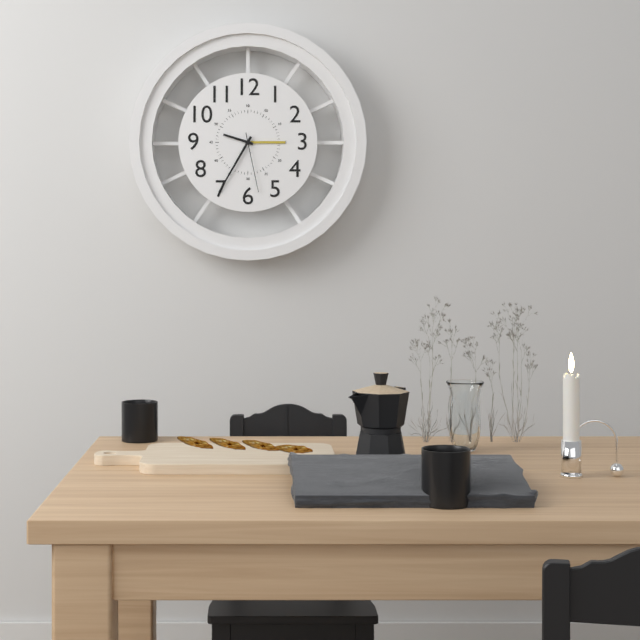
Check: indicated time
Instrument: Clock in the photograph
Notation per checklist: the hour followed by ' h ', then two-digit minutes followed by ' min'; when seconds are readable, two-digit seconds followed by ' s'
9 h 35 min 28 s
